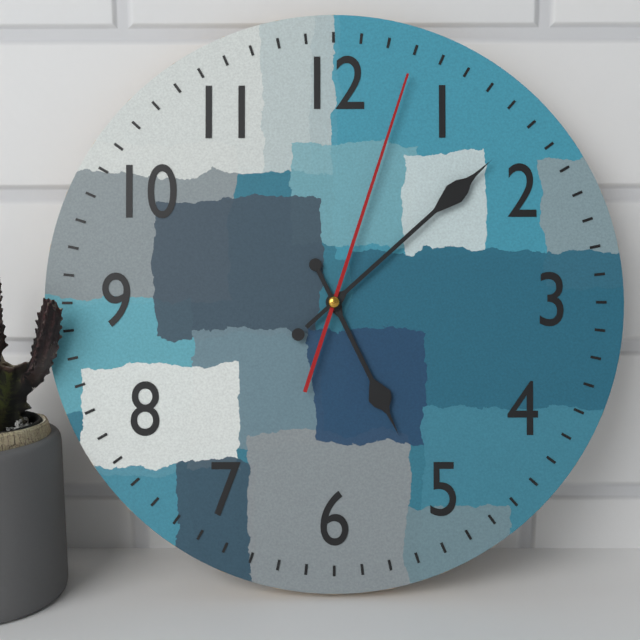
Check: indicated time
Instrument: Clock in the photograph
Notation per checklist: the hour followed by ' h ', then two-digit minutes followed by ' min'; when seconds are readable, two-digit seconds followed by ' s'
5 h 08 min 03 s
